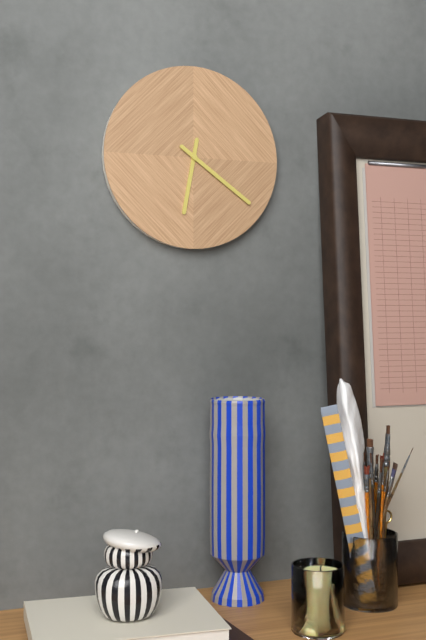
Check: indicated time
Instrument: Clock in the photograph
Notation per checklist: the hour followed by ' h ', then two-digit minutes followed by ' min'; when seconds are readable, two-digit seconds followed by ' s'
6 h 21 min
